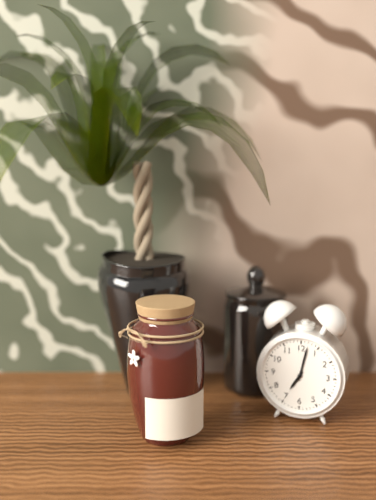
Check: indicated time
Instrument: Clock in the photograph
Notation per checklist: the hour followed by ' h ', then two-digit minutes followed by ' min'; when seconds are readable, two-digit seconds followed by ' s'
7 h 02 min
